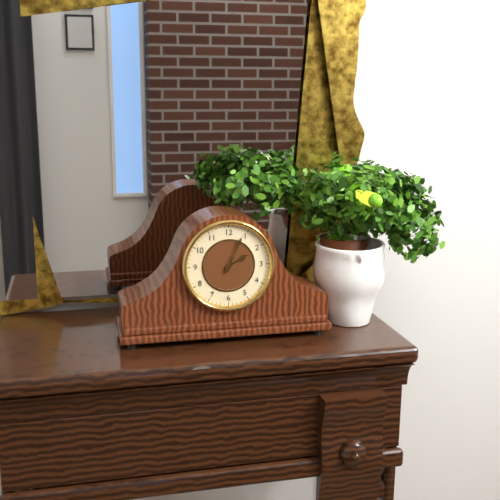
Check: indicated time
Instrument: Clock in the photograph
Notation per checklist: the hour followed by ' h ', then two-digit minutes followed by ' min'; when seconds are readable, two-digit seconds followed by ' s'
2 h 04 min
